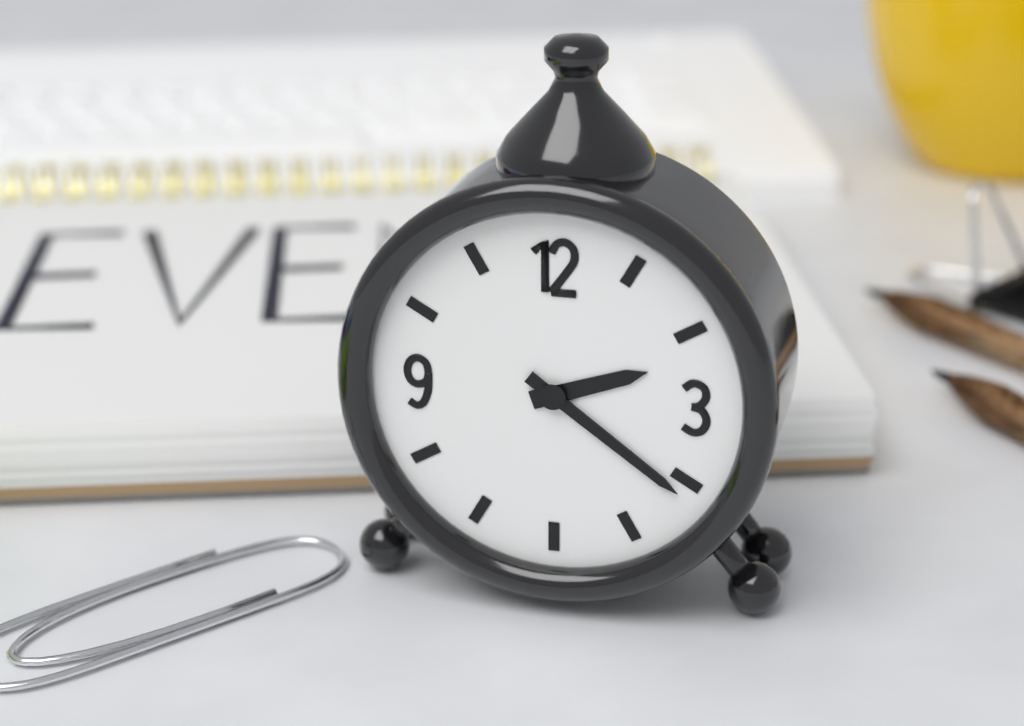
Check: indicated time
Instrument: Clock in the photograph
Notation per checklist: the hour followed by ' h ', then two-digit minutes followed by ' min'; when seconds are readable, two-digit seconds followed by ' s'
2 h 21 min
